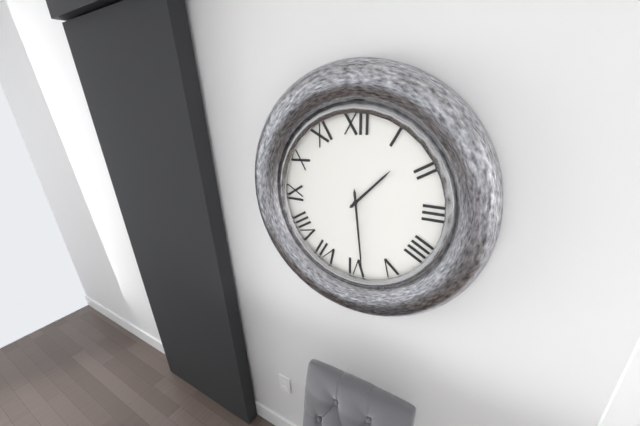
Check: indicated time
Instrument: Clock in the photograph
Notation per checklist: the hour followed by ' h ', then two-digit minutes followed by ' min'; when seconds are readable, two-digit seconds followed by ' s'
1 h 29 min
